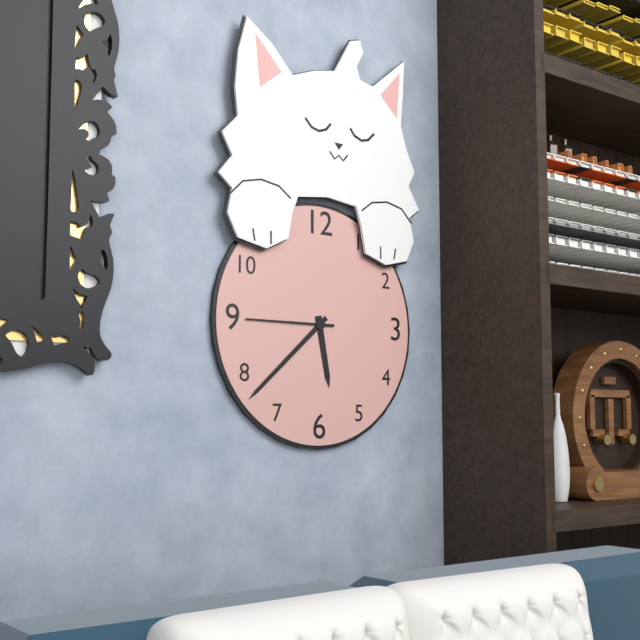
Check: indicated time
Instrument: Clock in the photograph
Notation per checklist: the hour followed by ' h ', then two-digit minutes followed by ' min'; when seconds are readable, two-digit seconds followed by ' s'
5 h 38 min 45 s
